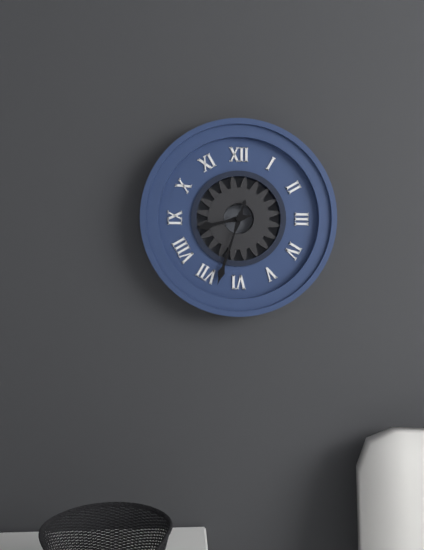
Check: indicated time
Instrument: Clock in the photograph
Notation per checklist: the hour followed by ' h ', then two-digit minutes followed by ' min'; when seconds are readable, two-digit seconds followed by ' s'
8 h 33 min
